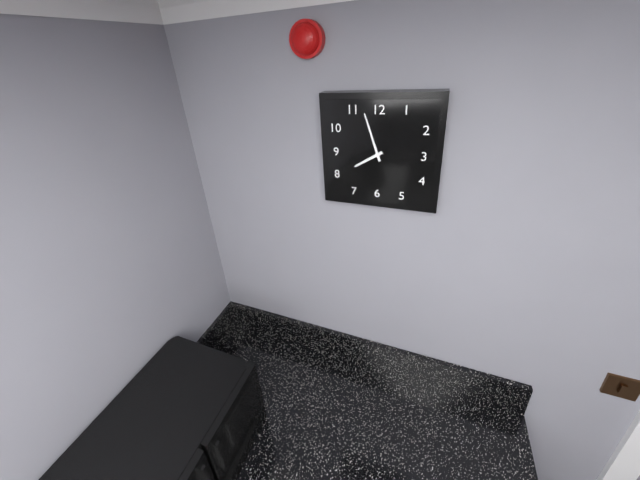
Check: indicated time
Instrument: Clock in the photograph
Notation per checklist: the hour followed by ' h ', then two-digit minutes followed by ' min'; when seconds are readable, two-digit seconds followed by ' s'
7 h 57 min
